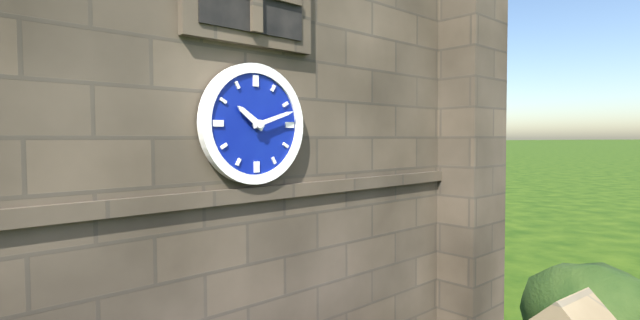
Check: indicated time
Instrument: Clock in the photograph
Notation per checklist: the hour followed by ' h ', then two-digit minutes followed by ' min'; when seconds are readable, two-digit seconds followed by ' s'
10 h 12 min
